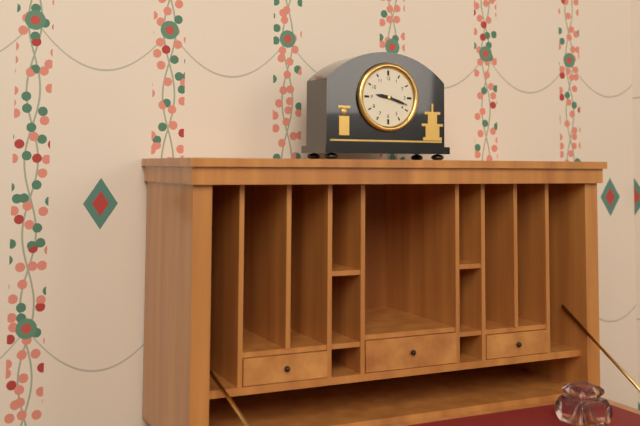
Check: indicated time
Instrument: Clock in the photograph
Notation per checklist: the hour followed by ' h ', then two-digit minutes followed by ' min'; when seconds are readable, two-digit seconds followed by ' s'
9 h 18 min
